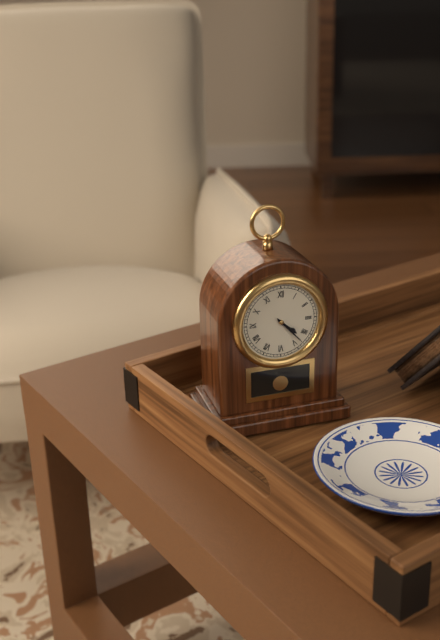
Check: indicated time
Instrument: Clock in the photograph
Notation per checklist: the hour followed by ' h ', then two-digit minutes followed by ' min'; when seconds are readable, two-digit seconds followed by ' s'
4 h 23 min
